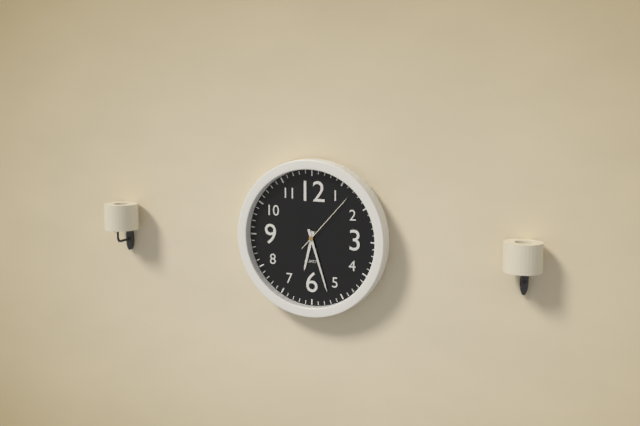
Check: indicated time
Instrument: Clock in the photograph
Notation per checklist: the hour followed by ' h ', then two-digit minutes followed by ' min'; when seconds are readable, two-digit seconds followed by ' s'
6 h 27 min 07 s
